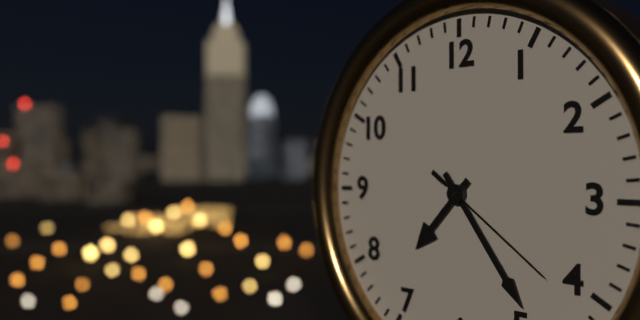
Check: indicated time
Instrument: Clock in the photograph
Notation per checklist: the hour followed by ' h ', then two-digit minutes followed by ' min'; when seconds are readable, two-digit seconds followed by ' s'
7 h 24 min 21 s
